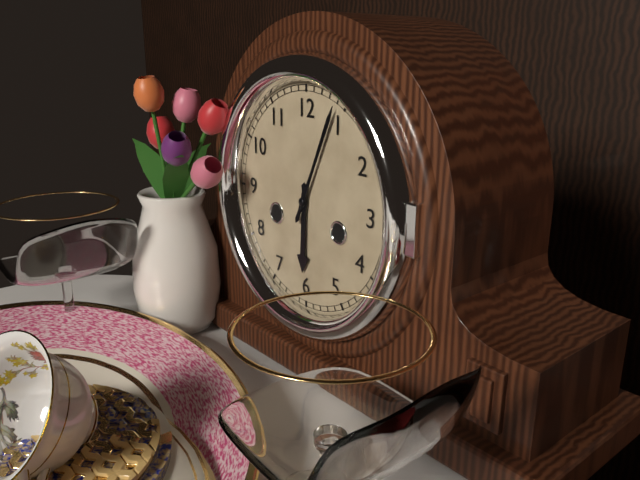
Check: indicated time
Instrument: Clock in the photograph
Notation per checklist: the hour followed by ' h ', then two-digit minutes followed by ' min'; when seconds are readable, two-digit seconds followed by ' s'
6 h 04 min
